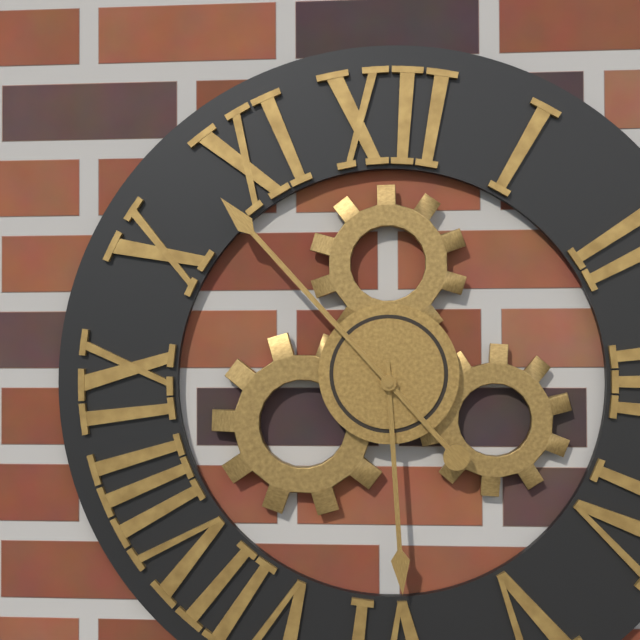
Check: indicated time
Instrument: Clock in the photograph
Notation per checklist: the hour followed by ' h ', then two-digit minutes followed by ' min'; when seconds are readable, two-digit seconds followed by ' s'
5 h 53 min
